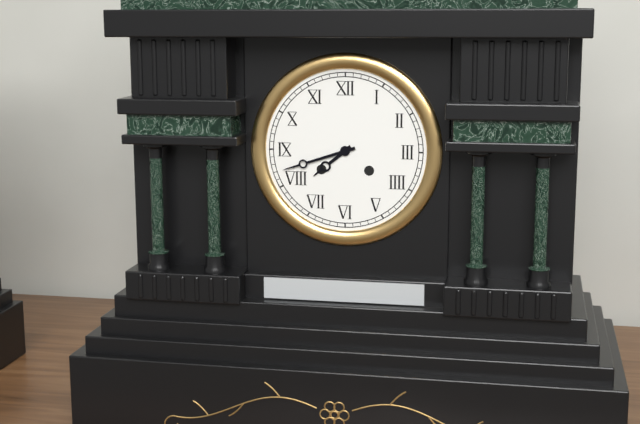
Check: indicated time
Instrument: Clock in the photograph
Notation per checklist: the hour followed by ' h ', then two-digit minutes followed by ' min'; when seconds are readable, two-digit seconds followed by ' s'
7 h 42 min
